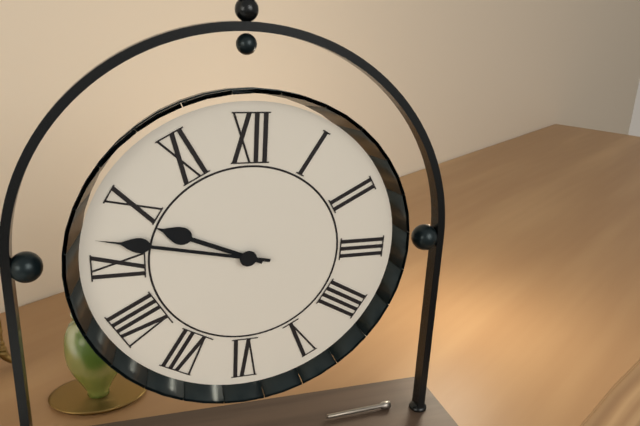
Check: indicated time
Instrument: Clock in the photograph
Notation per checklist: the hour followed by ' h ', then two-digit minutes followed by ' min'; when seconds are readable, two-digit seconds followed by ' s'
9 h 47 min
